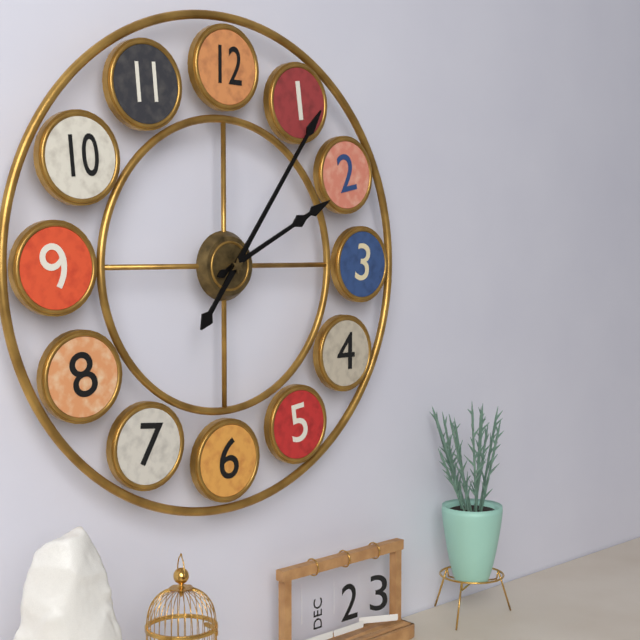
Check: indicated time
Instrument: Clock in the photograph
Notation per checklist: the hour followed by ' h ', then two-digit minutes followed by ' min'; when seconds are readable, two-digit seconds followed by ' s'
2 h 06 min
